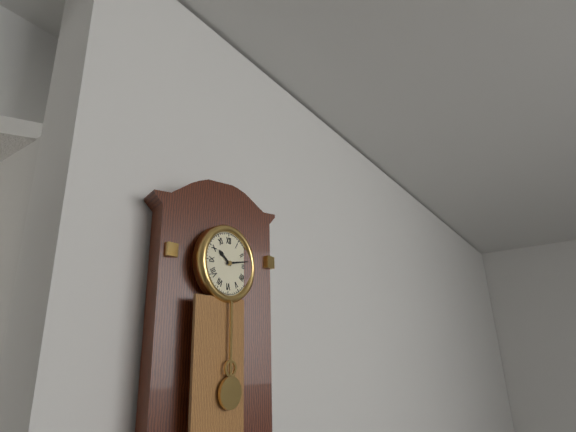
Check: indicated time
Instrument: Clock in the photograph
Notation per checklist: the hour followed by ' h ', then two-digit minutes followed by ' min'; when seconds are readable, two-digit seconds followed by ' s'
10 h 13 min
